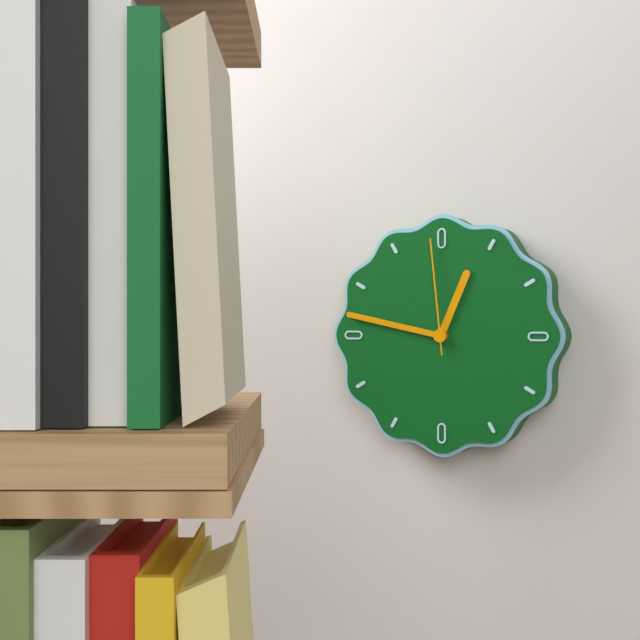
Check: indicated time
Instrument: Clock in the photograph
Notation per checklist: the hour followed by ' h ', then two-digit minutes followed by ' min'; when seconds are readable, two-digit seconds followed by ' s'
12 h 47 min 59 s
